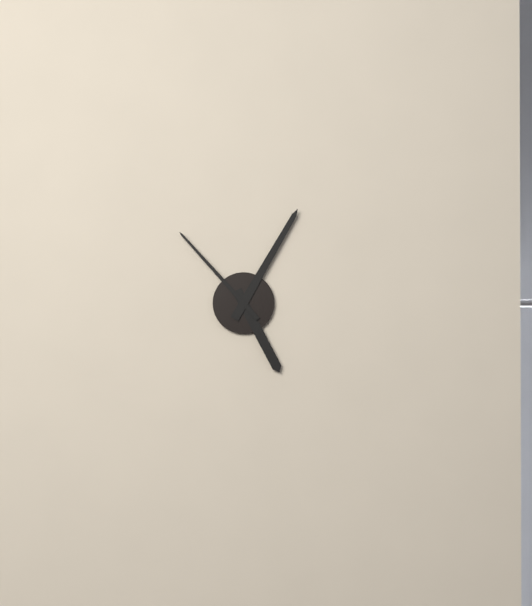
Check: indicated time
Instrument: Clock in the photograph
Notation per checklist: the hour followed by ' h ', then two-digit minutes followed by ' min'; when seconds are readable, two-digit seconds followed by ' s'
5 h 05 min 53 s
